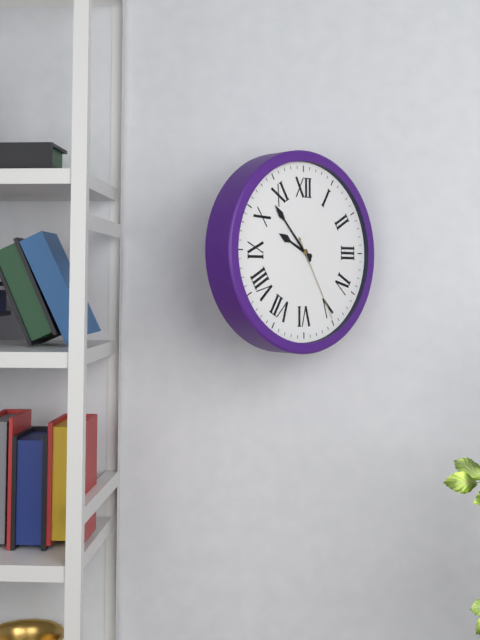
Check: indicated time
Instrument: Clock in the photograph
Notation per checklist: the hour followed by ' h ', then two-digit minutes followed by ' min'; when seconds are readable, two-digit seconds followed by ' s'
9 h 53 min 25 s
